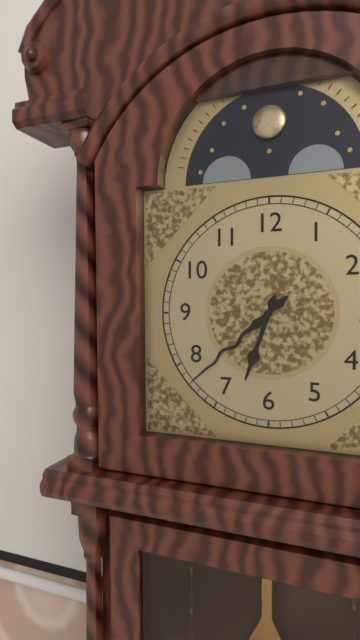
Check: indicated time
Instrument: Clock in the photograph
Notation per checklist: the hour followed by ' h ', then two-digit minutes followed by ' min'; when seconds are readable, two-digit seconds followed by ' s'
6 h 38 min
